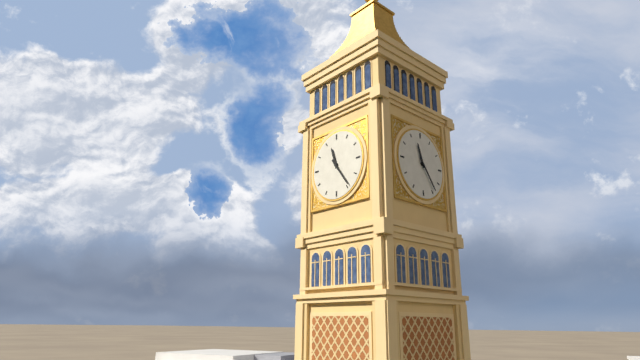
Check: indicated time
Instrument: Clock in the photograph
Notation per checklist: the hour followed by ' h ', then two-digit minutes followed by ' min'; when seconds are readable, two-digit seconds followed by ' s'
11 h 24 min
